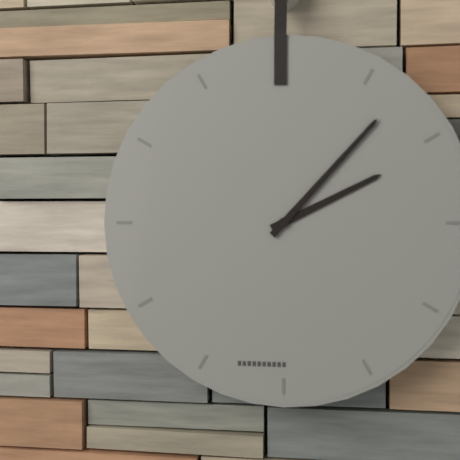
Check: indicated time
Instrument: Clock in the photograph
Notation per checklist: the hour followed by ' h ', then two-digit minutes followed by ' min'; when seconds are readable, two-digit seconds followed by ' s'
2 h 07 min
